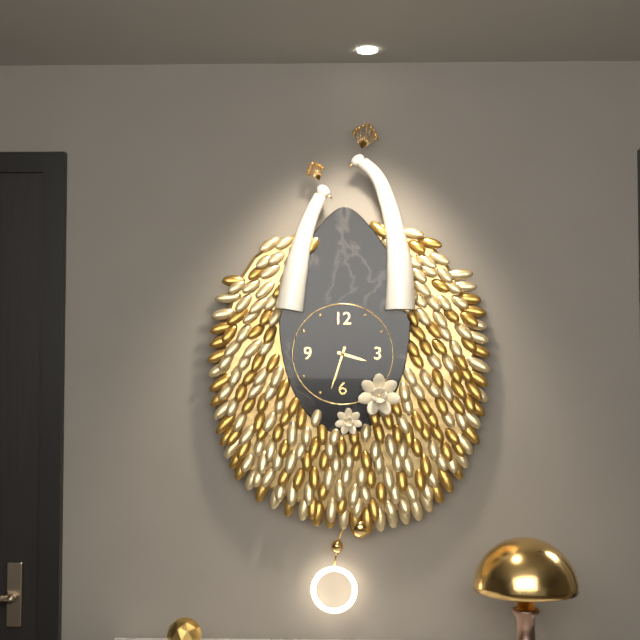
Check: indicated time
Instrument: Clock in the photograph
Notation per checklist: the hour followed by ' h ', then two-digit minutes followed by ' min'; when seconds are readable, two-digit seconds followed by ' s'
3 h 33 min
